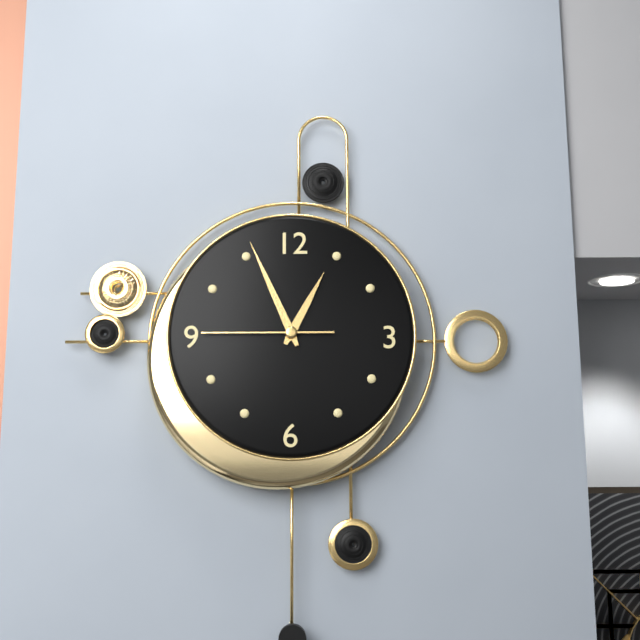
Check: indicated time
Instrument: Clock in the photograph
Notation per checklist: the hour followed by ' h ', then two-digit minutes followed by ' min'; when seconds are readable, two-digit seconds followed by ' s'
12 h 56 min 45 s
